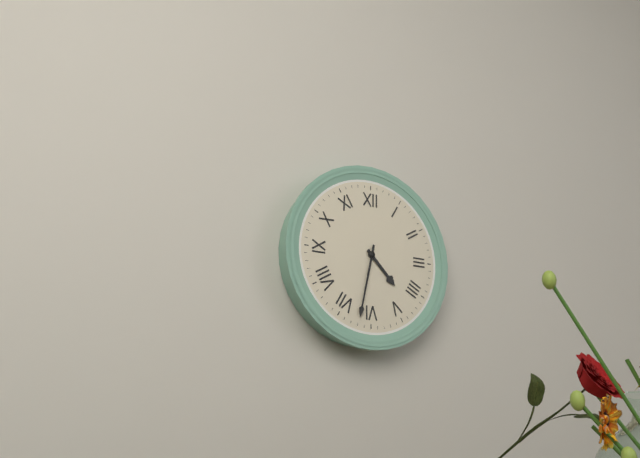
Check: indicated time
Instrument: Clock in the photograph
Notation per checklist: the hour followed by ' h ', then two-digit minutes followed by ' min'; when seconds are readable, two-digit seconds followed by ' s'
4 h 32 min
